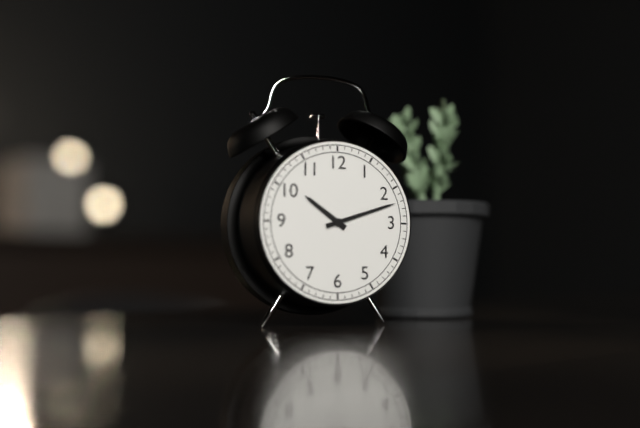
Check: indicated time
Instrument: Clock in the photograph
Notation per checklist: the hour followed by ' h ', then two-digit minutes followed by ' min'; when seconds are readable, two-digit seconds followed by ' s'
10 h 12 min
